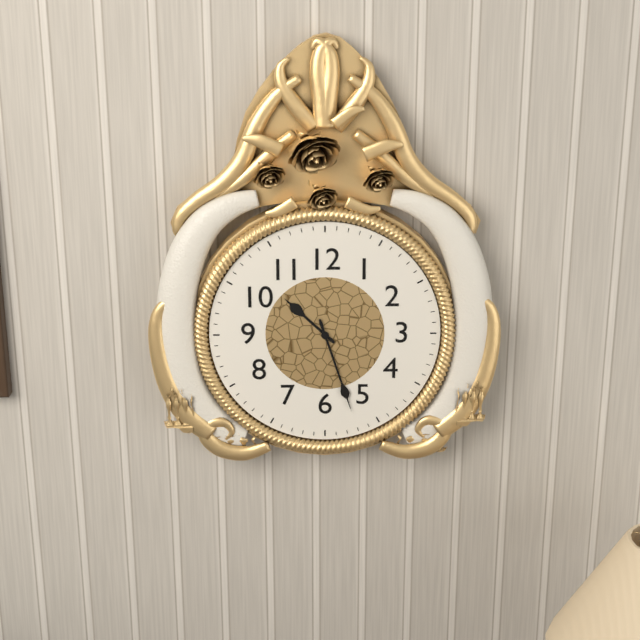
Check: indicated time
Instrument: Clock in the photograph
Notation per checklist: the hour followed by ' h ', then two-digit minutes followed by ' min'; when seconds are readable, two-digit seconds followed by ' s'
10 h 27 min
